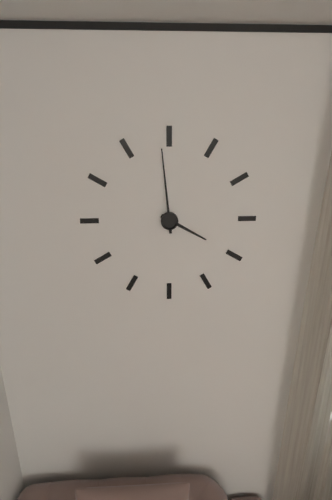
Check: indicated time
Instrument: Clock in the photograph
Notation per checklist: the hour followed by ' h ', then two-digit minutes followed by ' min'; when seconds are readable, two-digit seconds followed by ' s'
3 h 59 min
